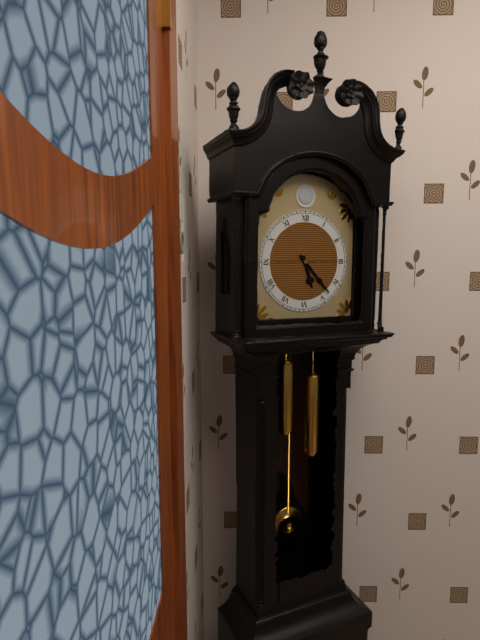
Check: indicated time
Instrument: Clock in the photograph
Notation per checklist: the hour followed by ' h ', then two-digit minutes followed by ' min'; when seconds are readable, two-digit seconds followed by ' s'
5 h 23 min
